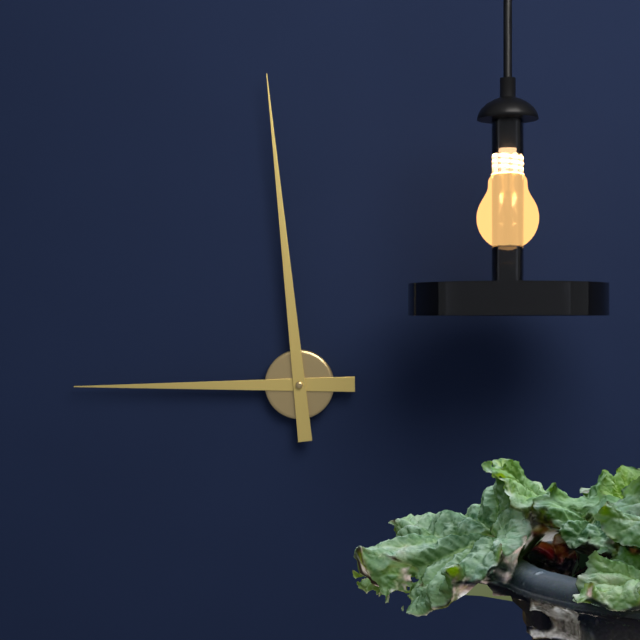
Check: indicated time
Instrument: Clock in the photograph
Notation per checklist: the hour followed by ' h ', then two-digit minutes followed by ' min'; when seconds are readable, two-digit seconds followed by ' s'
8 h 59 min
